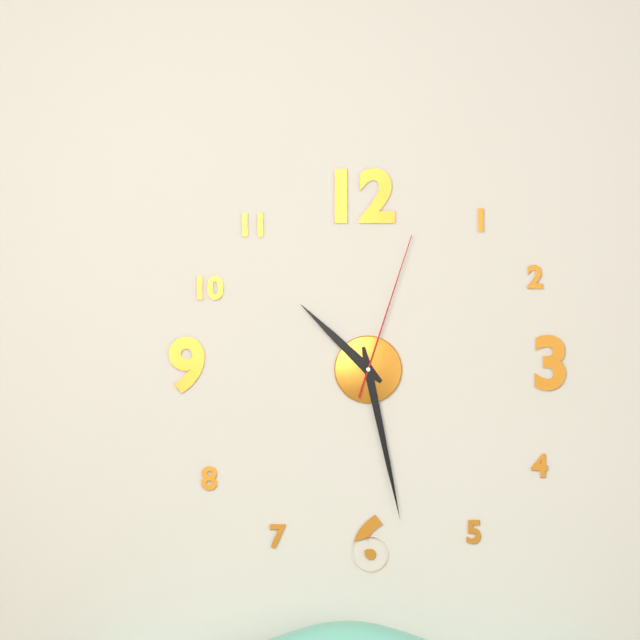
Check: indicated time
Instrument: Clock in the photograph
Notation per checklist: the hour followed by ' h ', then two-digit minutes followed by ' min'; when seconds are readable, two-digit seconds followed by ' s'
10 h 28 min 03 s
